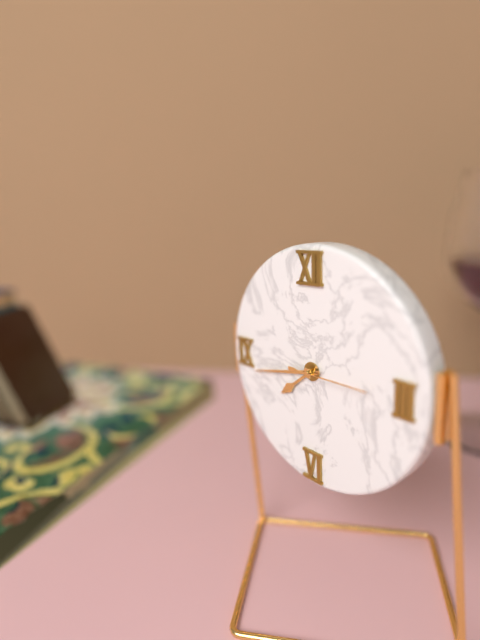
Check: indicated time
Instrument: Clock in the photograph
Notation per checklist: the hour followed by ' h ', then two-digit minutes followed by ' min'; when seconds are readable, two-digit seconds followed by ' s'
7 h 43 min 15 s
